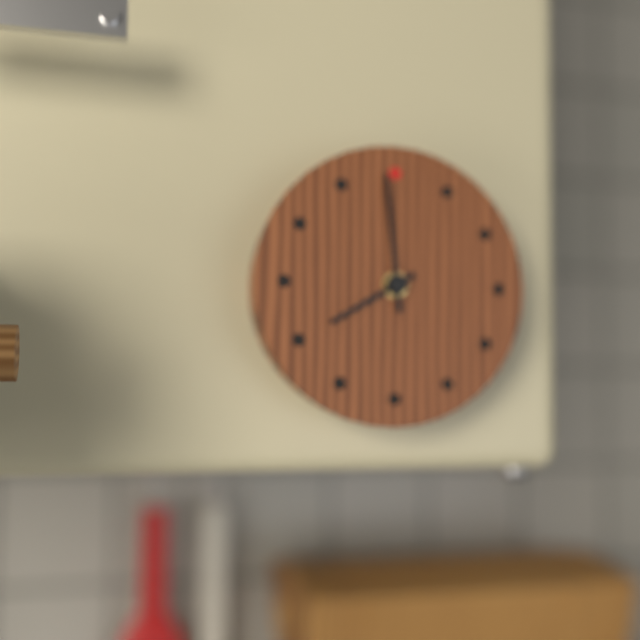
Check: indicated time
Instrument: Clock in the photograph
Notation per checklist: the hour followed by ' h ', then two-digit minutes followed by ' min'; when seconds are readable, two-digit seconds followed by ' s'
7 h 59 min
